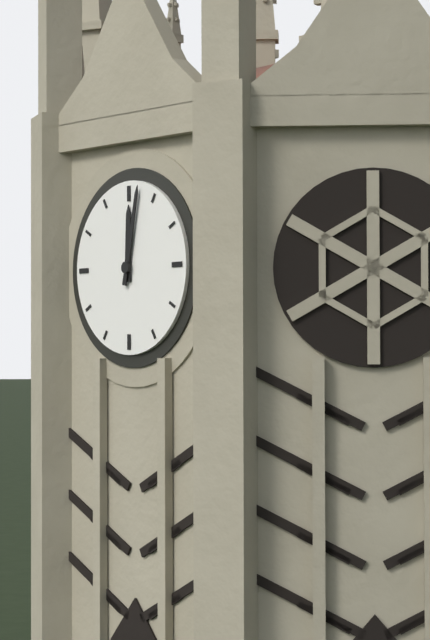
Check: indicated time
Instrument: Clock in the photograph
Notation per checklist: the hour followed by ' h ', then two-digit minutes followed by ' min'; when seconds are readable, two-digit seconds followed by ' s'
12 h 02 min
